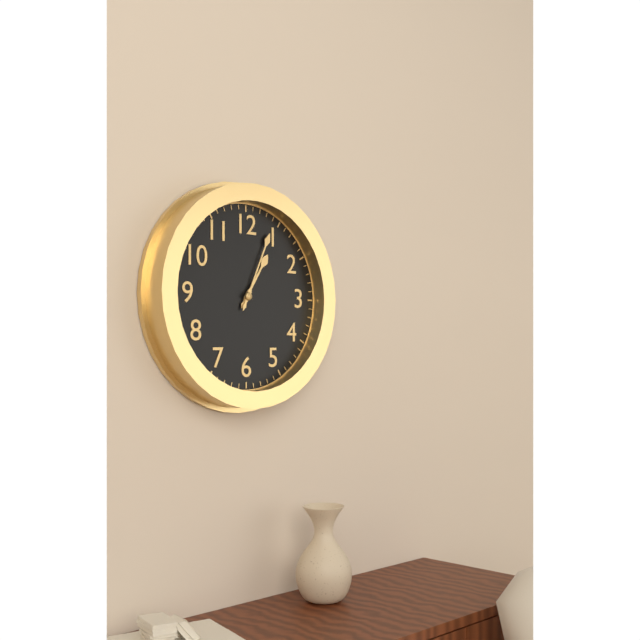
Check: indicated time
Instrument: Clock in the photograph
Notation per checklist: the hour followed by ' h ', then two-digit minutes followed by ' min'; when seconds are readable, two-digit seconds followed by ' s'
1 h 04 min
